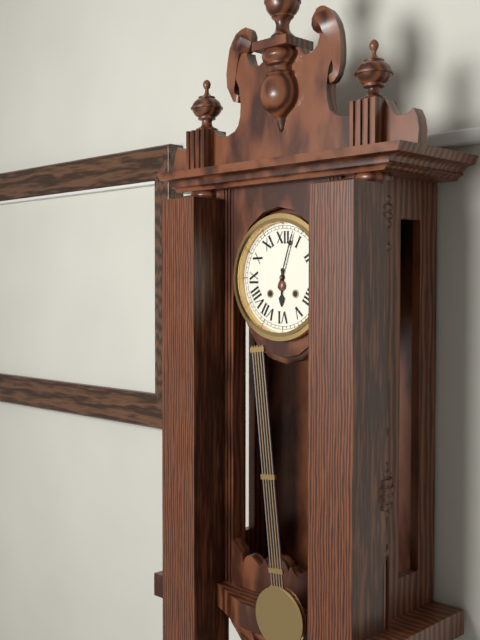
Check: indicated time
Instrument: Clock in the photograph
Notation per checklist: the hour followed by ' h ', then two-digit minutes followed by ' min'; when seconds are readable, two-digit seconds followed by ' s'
6 h 03 min
